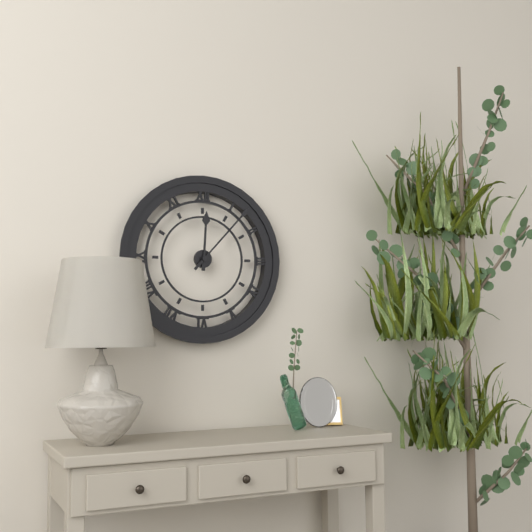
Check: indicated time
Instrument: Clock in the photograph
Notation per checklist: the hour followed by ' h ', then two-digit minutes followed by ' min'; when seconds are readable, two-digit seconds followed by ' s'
12 h 07 min
